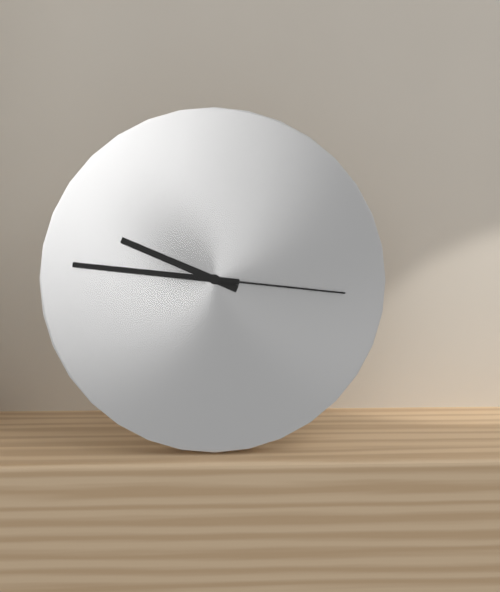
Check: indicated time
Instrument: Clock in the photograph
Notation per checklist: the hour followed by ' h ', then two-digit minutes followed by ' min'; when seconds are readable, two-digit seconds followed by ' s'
9 h 46 min 16 s
